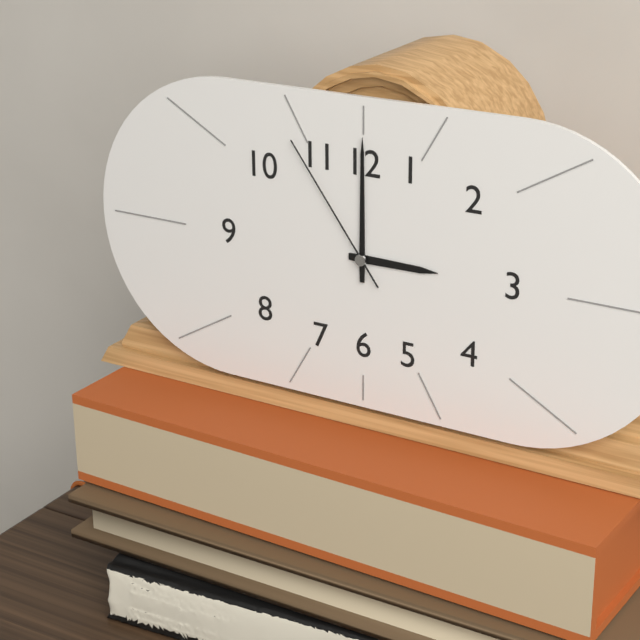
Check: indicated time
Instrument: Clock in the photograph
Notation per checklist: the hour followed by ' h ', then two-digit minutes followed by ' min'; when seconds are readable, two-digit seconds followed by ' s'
3 h 00 min 54 s
